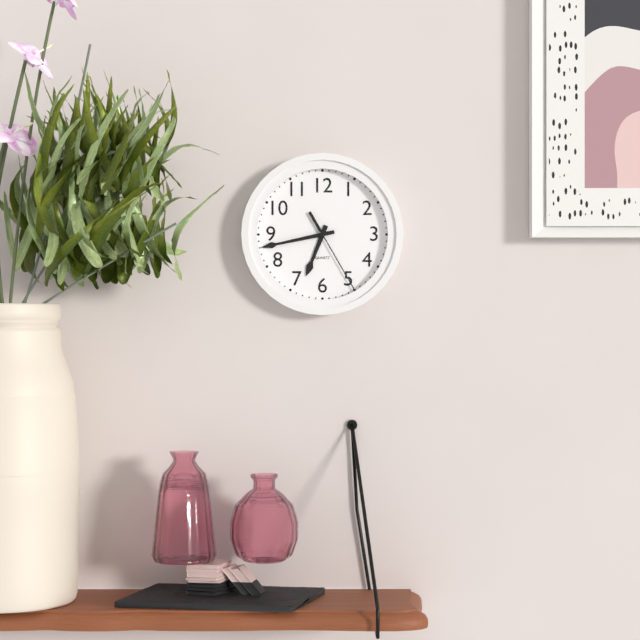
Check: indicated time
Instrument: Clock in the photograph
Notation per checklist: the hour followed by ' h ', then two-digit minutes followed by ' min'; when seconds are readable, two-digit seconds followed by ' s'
6 h 43 min 25 s
